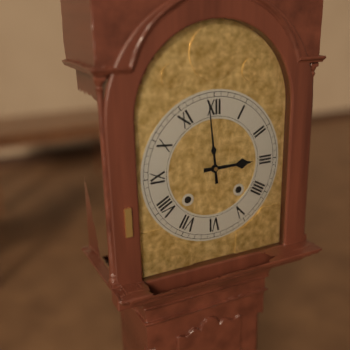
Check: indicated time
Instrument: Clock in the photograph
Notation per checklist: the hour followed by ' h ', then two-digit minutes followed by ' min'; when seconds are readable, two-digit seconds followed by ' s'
2 h 59 min
